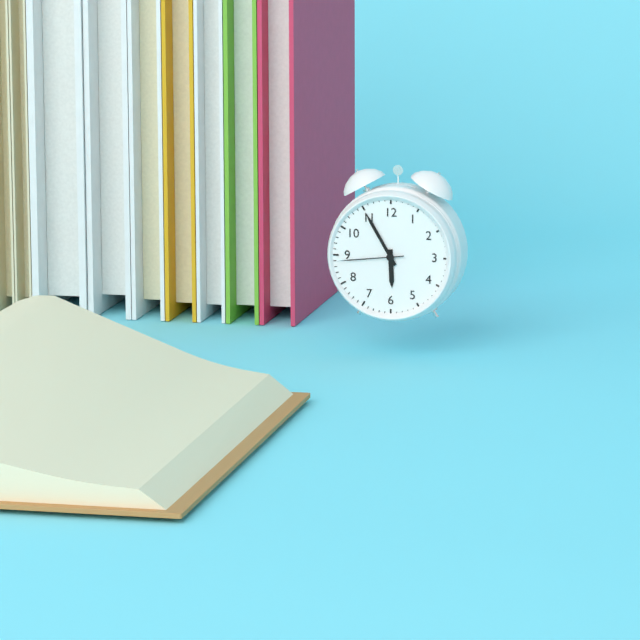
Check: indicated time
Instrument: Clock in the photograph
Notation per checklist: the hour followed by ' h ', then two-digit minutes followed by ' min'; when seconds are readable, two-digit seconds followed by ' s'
5 h 55 min 44 s
